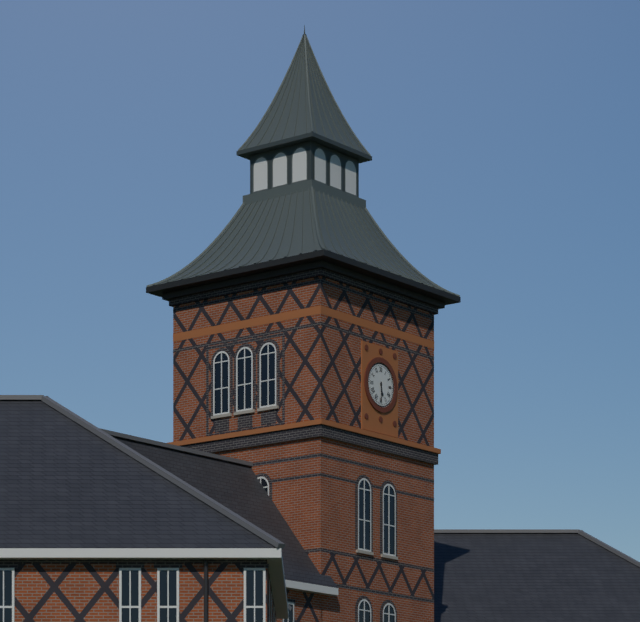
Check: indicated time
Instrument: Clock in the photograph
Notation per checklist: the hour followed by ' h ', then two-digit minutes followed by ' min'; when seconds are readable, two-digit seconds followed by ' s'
5 h 30 min
